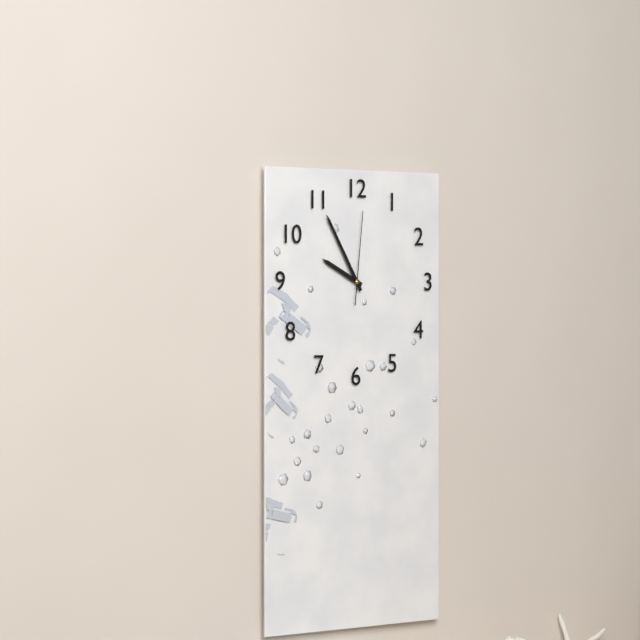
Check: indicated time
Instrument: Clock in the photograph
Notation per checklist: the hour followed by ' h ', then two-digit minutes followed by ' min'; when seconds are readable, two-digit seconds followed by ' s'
9 h 55 min 01 s
